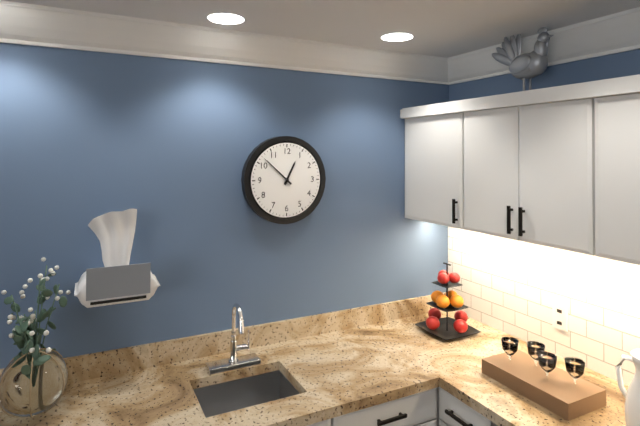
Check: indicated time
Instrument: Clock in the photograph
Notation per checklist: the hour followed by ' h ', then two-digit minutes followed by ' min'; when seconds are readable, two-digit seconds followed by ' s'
12 h 52 min
